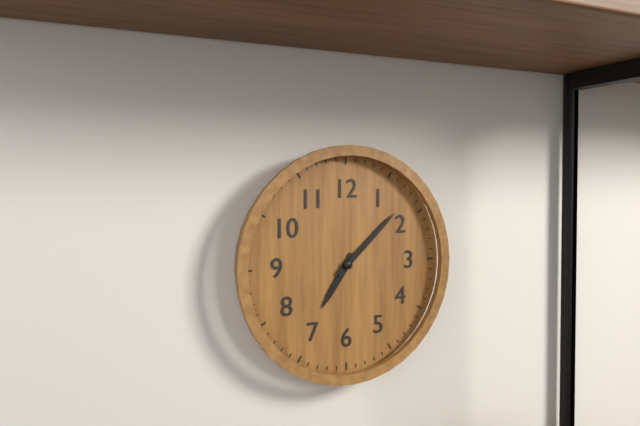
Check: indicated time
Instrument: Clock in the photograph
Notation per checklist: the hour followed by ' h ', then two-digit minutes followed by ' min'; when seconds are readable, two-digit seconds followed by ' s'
7 h 08 min
